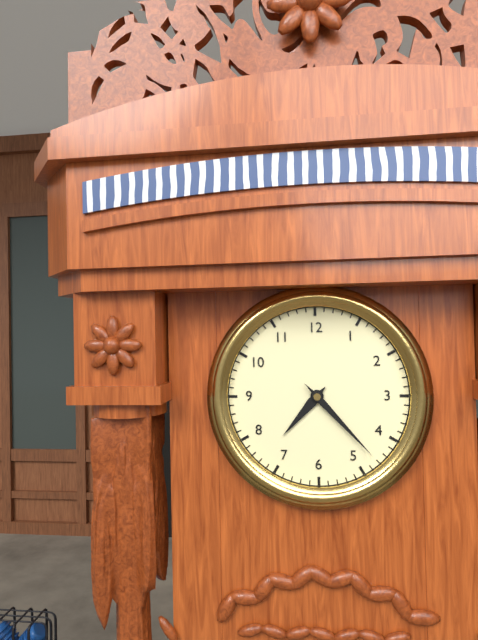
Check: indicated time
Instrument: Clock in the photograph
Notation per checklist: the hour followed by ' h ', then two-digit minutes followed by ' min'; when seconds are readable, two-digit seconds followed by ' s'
7 h 23 min
